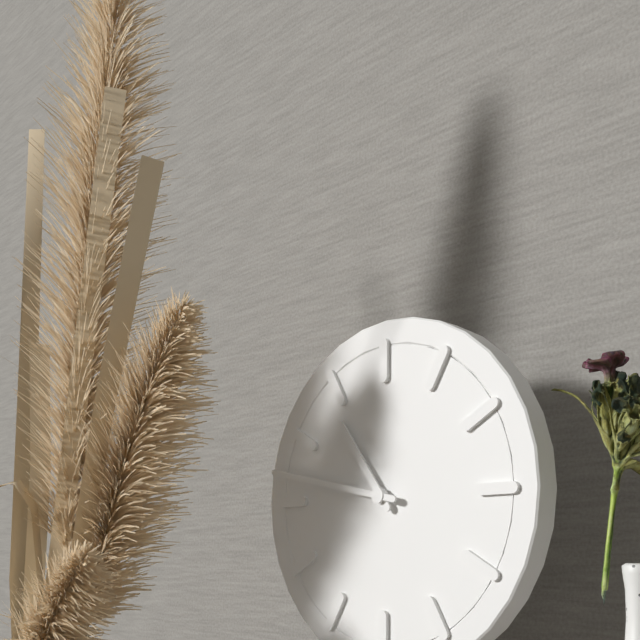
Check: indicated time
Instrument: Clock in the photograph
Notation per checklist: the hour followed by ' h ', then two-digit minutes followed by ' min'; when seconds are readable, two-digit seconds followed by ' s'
10 h 47 min
